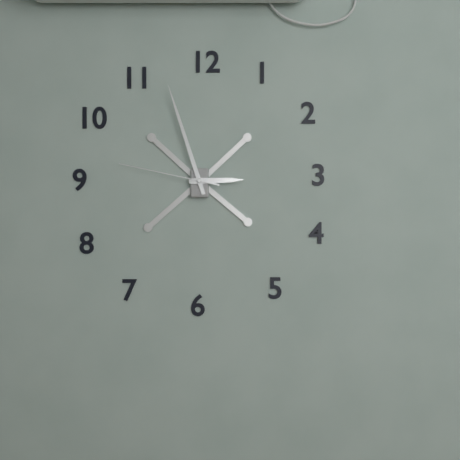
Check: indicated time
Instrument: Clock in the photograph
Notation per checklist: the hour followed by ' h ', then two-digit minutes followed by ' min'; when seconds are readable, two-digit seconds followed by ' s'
2 h 57 min 47 s
